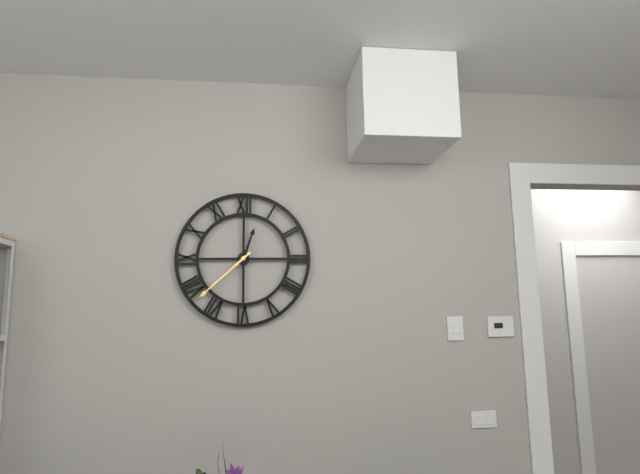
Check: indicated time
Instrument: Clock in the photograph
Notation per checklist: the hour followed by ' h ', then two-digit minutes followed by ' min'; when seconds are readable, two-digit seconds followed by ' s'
12 h 38 min
